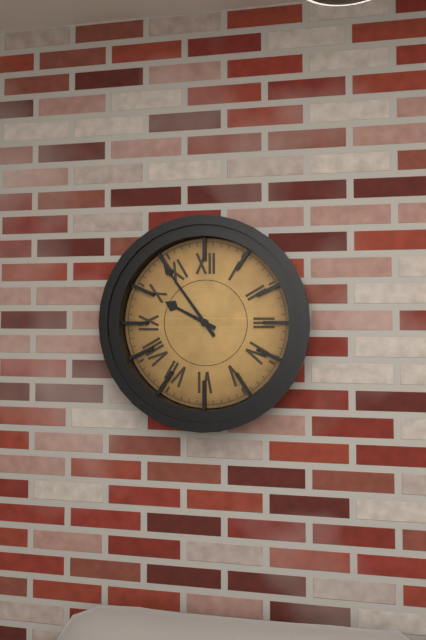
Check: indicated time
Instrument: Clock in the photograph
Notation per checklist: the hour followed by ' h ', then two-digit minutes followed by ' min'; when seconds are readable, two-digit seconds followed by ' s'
9 h 54 min
